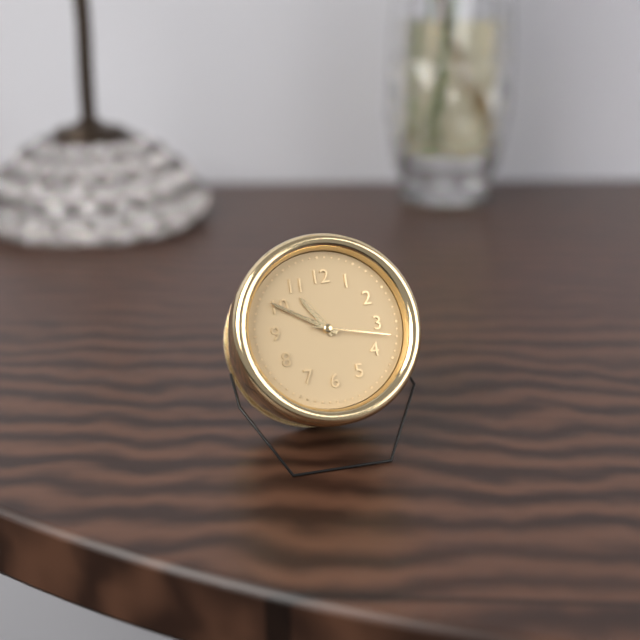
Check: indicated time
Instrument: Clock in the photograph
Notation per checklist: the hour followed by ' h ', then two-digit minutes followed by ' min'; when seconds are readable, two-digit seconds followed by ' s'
10 h 50 min 17 s
